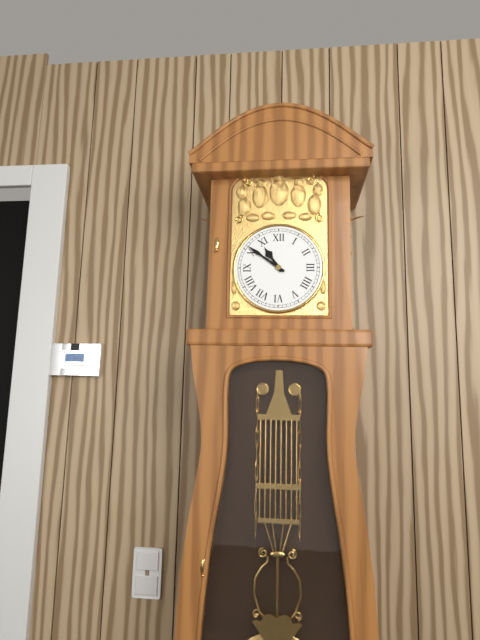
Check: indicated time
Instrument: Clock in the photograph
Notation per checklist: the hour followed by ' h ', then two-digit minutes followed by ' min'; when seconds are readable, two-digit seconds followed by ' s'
10 h 51 min
